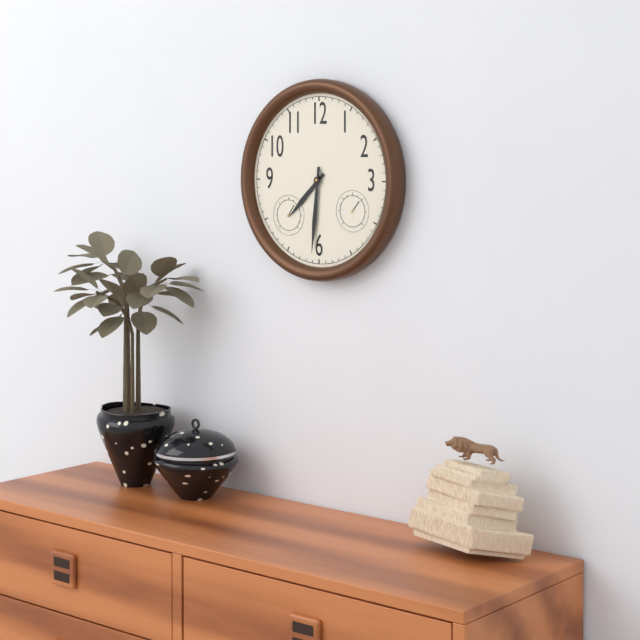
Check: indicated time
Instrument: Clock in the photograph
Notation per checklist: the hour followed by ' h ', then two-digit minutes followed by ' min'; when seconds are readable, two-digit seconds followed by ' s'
7 h 31 min
